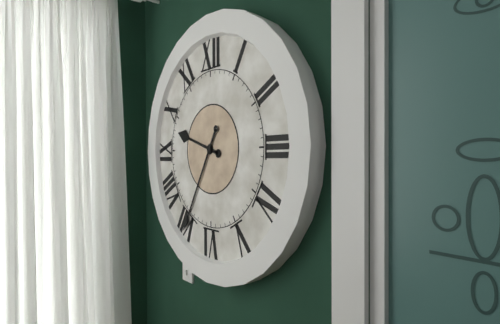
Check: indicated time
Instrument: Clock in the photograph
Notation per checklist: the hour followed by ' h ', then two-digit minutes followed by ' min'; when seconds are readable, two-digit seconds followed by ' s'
9 h 35 min
